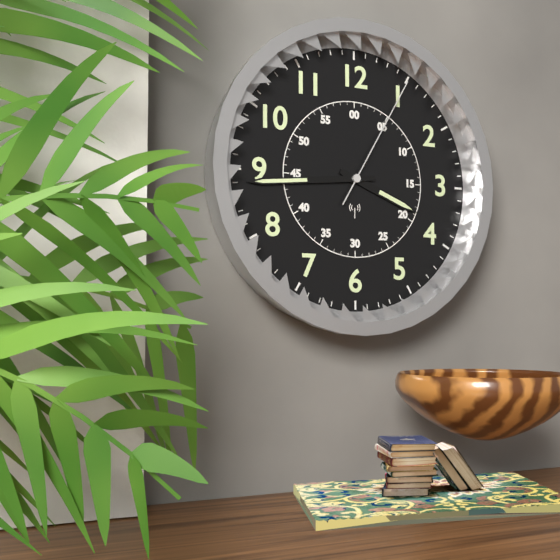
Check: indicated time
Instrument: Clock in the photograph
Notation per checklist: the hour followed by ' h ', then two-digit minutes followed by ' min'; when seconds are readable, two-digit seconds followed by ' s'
3 h 44 min 05 s
